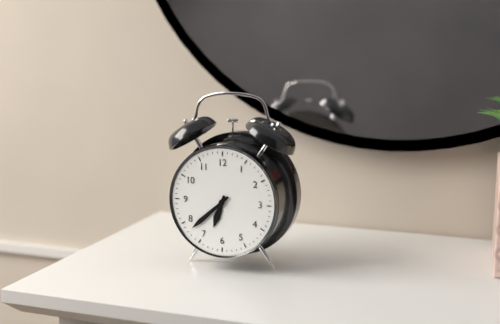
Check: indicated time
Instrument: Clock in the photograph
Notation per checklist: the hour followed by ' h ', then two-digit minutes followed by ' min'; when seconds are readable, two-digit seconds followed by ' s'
6 h 38 min
